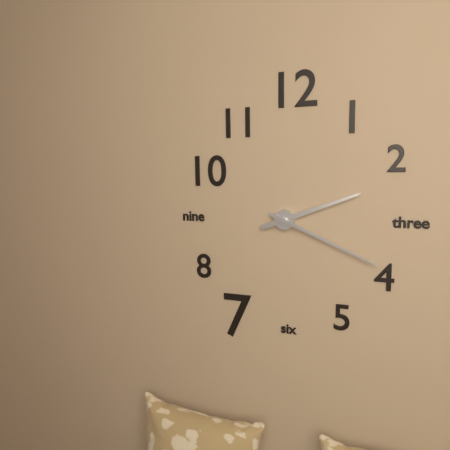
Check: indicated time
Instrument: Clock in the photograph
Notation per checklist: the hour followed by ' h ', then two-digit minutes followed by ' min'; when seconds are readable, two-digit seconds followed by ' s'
2 h 19 min
